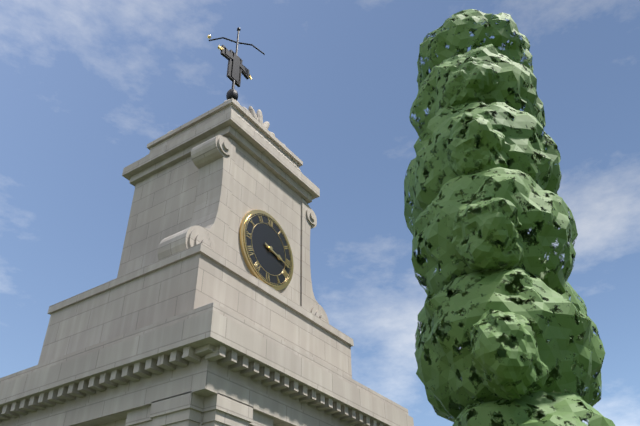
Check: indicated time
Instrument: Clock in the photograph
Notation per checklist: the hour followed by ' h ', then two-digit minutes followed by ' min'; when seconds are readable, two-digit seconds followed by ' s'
3 h 17 min
